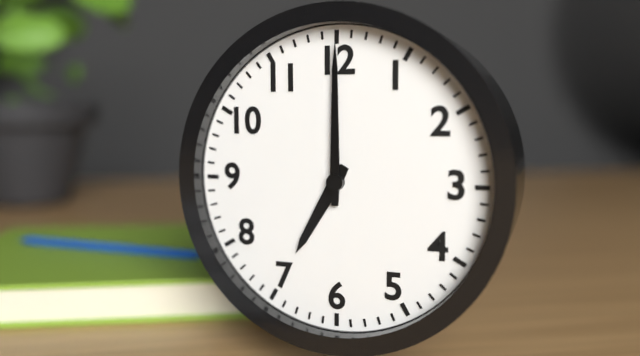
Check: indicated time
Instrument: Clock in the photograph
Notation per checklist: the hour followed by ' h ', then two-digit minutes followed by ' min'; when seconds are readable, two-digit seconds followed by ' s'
7 h 00 min
